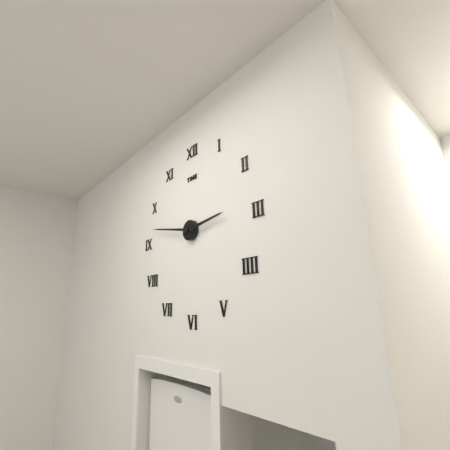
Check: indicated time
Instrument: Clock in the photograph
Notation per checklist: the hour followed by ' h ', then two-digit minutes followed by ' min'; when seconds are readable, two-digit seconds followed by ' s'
2 h 47 min
